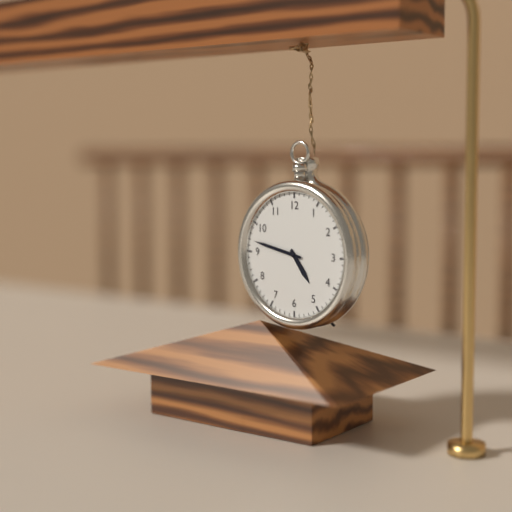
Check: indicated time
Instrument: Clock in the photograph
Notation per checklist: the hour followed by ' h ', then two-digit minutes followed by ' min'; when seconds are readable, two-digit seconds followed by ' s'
4 h 47 min
